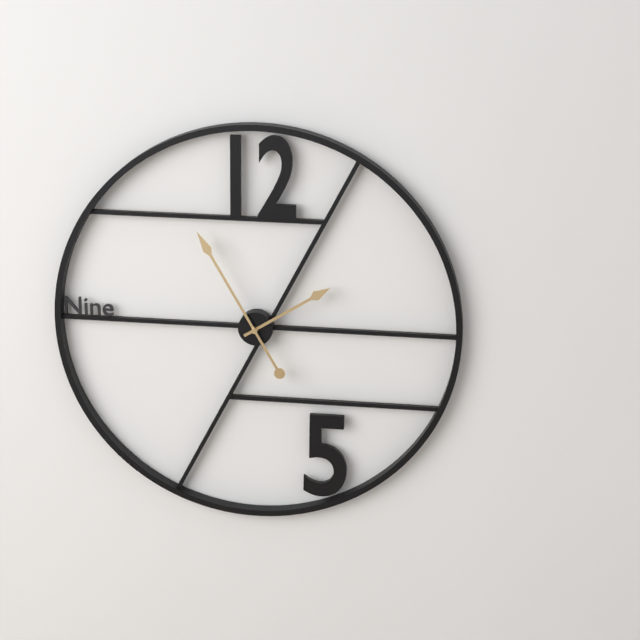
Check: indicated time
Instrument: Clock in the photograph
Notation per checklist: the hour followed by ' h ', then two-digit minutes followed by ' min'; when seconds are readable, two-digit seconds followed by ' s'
1 h 55 min
